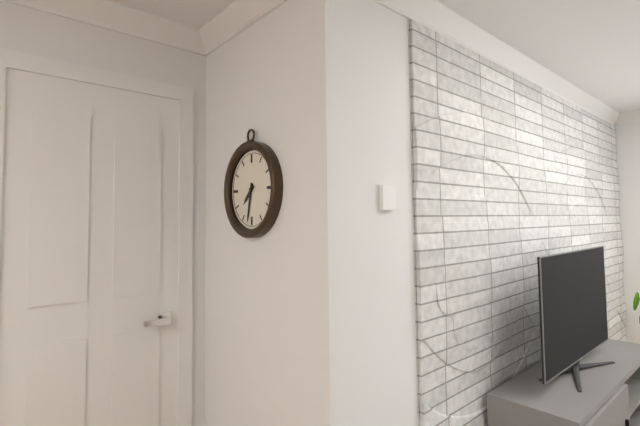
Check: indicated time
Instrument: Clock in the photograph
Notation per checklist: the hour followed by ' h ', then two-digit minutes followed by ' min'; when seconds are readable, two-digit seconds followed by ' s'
7 h 32 min
